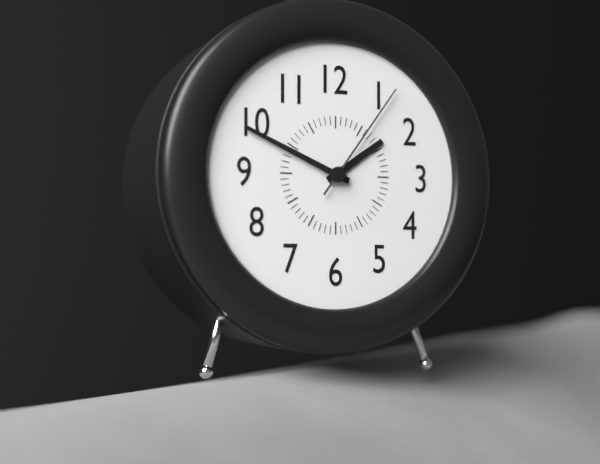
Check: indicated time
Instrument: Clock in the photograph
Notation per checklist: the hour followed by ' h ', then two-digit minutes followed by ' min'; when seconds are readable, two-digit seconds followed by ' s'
1 h 49 min 06 s
